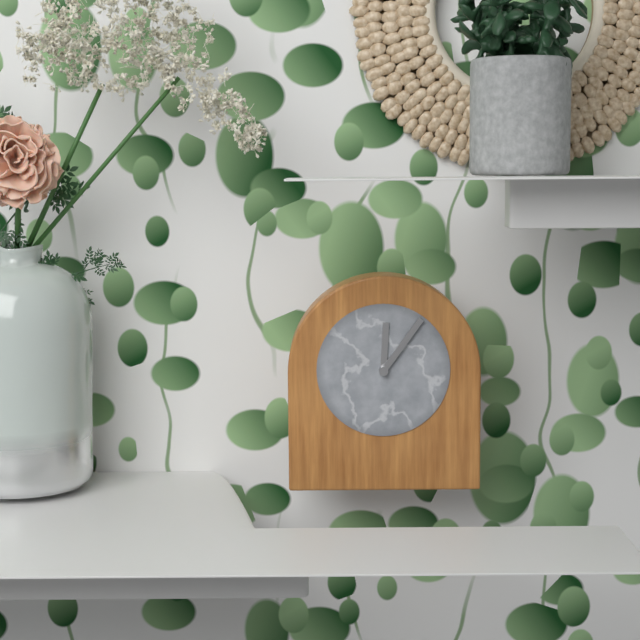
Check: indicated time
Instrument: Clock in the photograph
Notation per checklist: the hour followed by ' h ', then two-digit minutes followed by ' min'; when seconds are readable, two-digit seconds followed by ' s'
12 h 06 min
